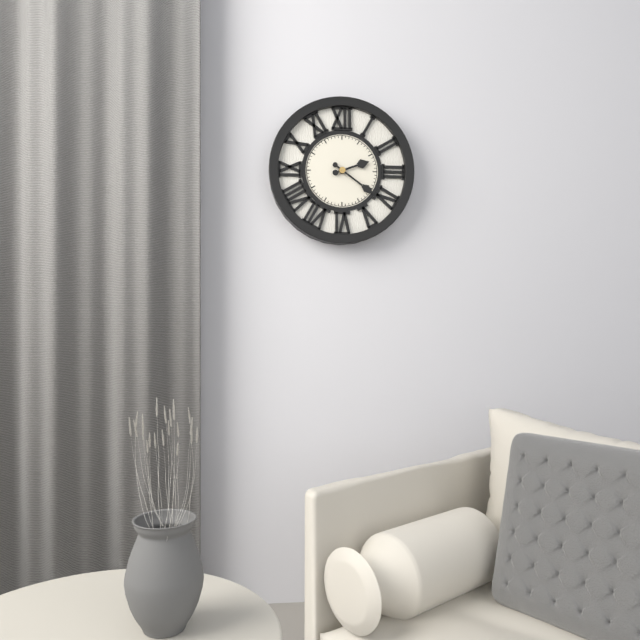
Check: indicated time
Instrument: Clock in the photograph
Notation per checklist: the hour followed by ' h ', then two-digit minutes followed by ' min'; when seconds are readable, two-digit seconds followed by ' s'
2 h 21 min
